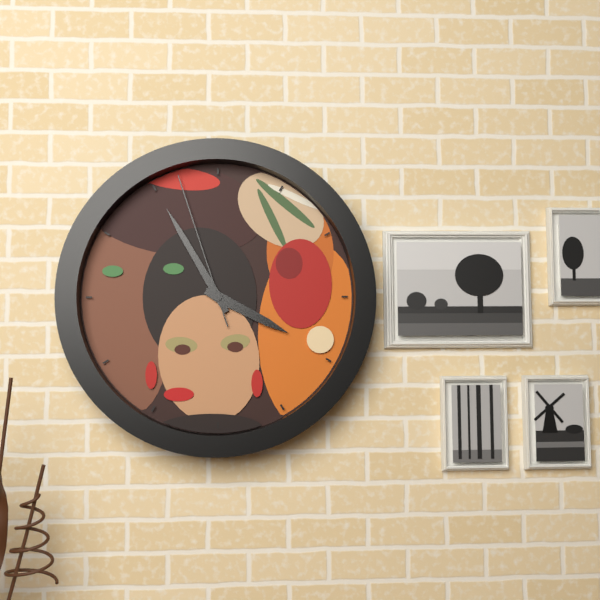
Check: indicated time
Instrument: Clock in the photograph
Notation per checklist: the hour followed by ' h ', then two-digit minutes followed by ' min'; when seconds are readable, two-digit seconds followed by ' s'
3 h 55 min 57 s
